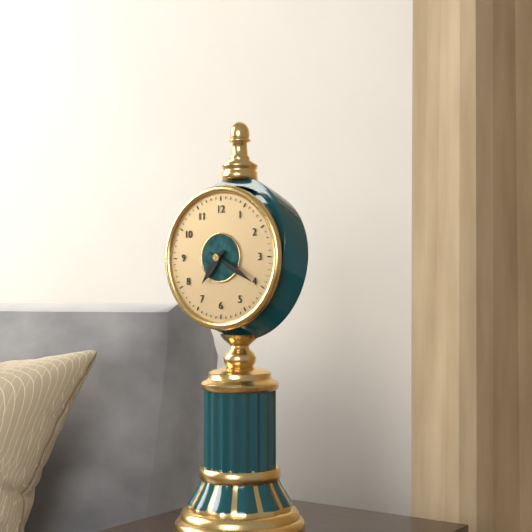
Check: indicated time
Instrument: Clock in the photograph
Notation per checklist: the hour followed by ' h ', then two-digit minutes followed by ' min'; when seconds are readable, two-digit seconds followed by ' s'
7 h 20 min
